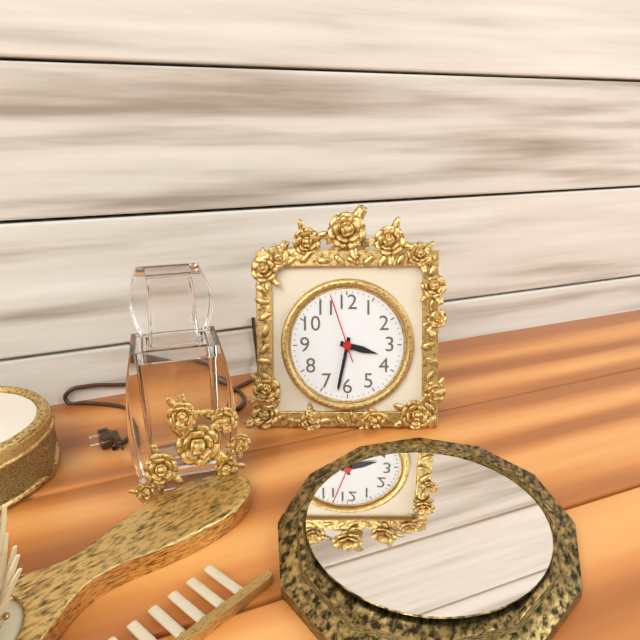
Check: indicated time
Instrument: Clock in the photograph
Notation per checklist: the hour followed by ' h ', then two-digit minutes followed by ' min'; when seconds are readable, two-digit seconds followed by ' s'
3 h 32 min 57 s
